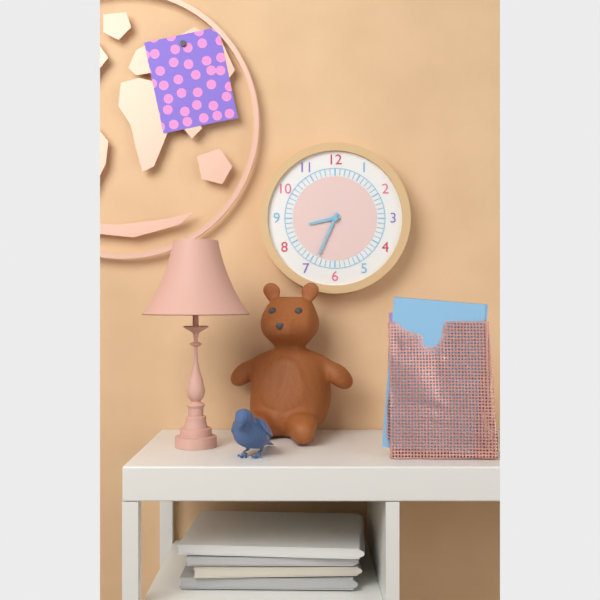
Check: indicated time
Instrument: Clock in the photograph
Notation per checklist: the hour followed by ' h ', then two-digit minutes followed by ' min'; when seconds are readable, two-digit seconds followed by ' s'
8 h 34 min
